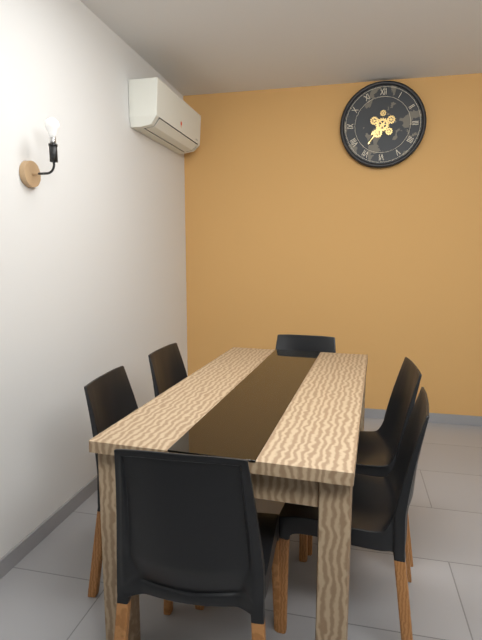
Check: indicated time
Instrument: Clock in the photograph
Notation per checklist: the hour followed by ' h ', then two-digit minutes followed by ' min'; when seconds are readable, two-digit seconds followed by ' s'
7 h 36 min
